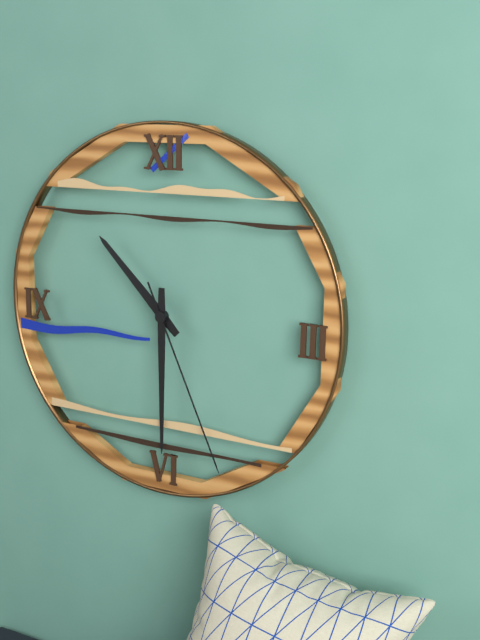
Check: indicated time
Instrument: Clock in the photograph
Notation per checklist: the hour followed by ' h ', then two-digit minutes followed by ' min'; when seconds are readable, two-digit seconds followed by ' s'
10 h 30 min 26 s
